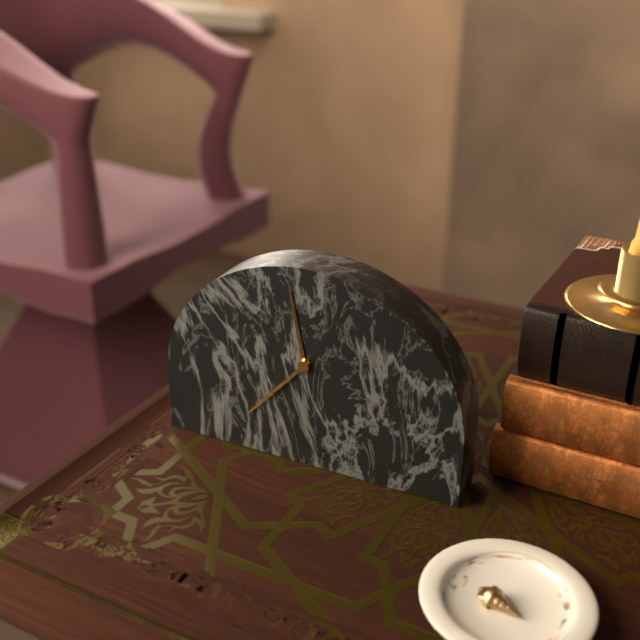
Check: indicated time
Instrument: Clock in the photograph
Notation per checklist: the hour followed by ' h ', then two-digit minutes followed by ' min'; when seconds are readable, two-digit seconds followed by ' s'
11 h 37 min
